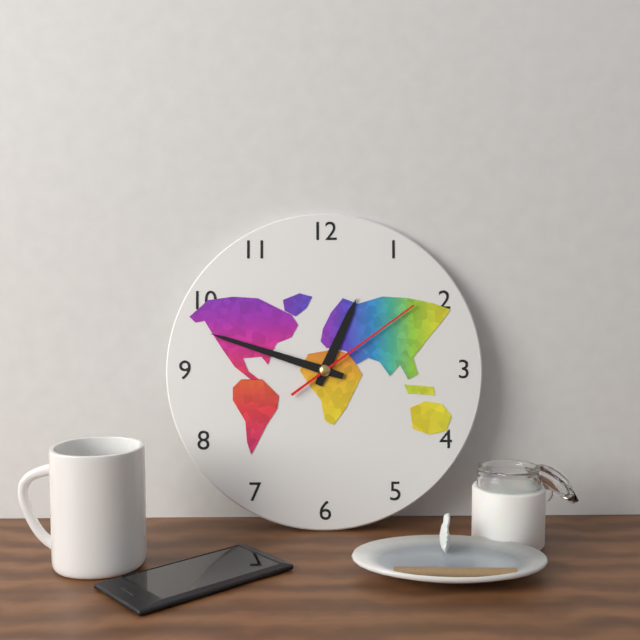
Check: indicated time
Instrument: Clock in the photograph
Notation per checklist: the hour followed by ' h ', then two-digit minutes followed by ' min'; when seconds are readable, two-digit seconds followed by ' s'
12 h 48 min 09 s
